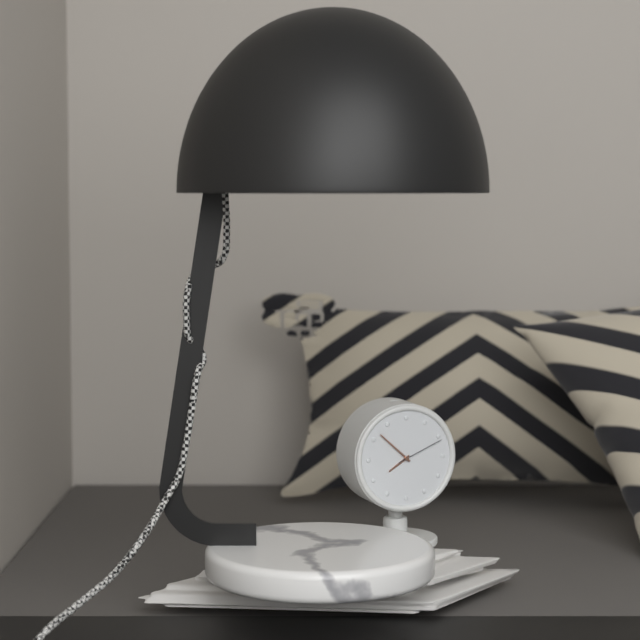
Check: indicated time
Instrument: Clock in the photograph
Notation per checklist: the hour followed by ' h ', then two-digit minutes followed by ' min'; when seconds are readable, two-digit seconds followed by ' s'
7 h 52 min
